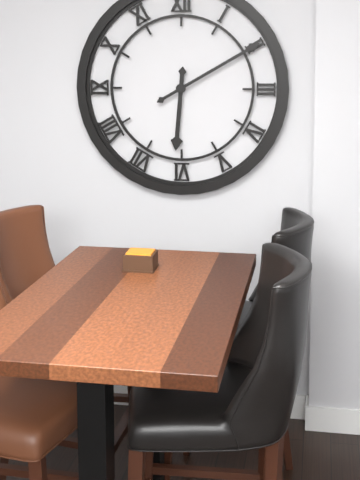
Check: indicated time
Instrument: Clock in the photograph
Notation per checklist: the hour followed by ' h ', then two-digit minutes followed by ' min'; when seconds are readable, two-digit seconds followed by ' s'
6 h 10 min
